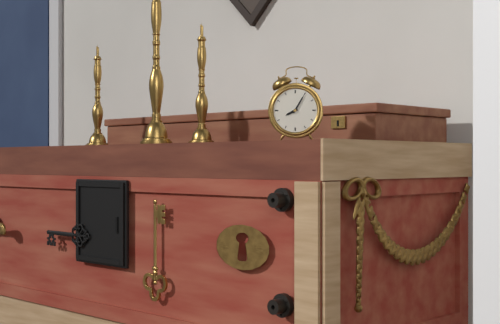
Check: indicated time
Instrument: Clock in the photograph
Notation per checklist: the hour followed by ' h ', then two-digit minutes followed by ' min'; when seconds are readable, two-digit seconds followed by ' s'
8 h 05 min
